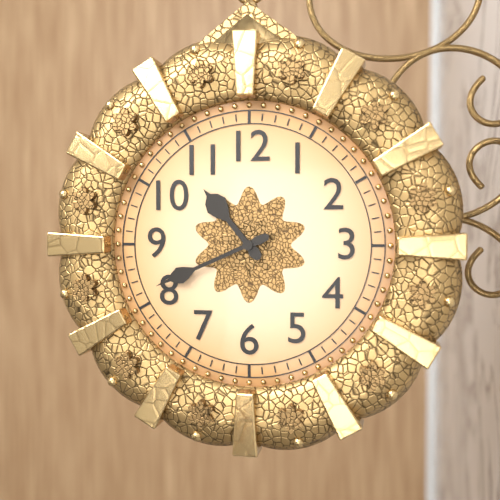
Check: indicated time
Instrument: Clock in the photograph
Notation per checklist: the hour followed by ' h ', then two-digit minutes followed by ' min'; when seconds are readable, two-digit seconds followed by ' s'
10 h 41 min
